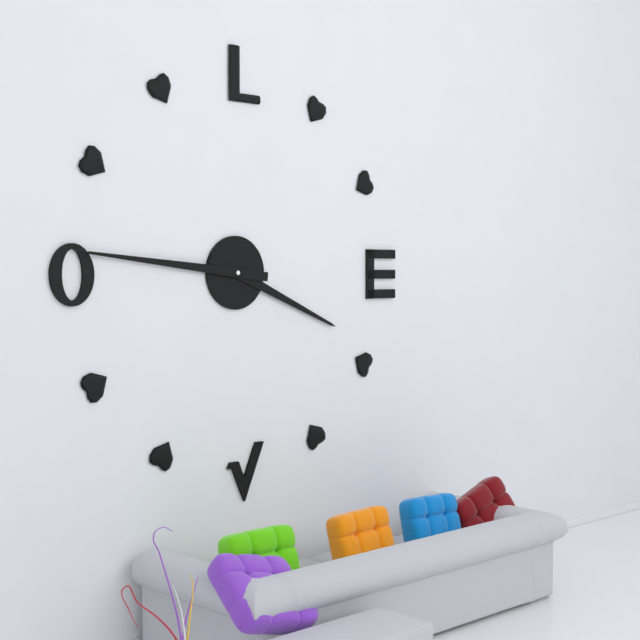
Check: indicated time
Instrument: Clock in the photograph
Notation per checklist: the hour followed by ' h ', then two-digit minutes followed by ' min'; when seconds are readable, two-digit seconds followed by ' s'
3 h 46 min
